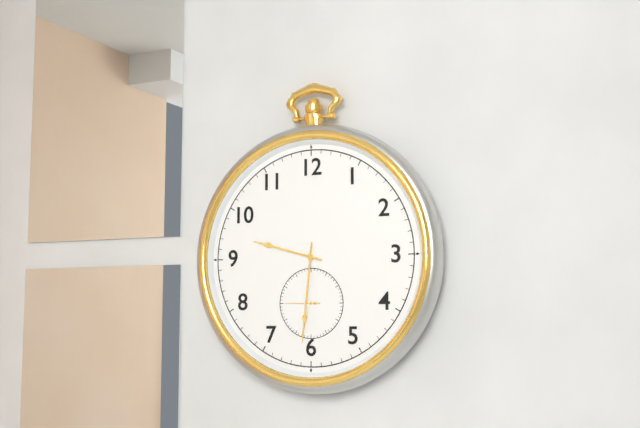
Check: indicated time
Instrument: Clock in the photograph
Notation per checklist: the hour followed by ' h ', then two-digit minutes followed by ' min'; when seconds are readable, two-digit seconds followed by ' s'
9 h 31 min
